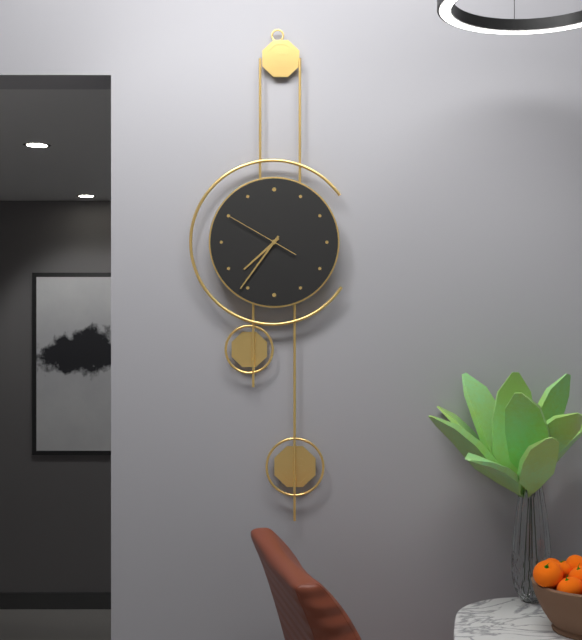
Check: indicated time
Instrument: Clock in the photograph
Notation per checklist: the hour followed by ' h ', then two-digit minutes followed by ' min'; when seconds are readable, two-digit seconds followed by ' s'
7 h 36 min 50 s
